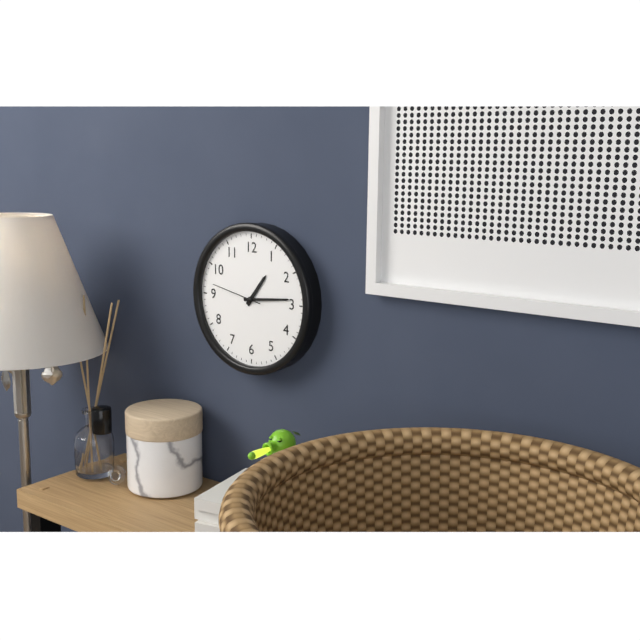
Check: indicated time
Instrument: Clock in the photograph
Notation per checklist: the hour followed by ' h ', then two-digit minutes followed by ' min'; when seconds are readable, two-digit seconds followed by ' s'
1 h 14 min 47 s
